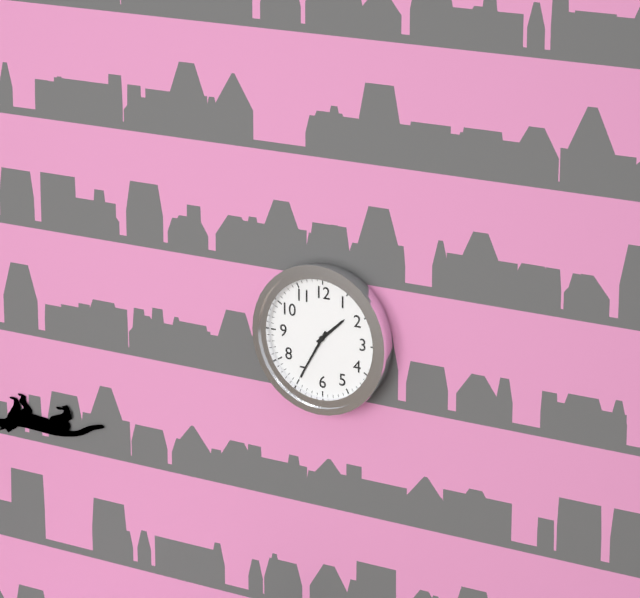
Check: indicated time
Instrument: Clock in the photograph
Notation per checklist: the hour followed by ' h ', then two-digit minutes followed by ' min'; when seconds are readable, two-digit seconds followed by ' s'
1 h 35 min
